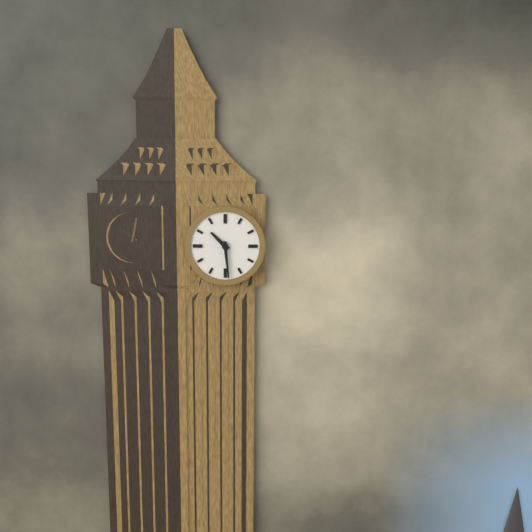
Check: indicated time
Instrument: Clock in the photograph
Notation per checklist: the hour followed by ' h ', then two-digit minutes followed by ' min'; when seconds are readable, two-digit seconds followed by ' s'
10 h 29 min
